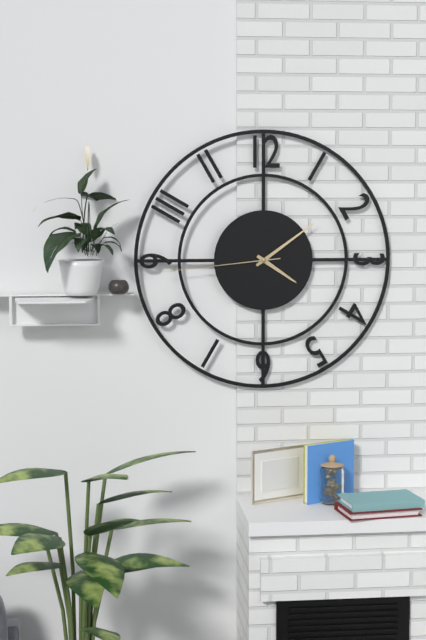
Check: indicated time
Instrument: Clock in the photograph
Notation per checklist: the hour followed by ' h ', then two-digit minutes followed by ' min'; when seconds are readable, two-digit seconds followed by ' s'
4 h 09 min 44 s
